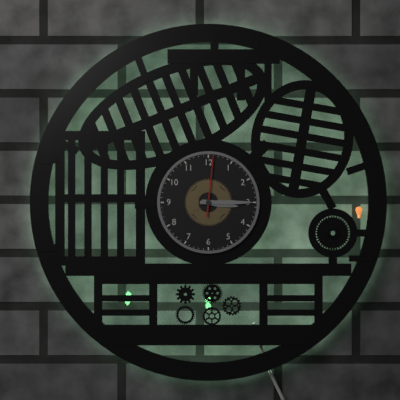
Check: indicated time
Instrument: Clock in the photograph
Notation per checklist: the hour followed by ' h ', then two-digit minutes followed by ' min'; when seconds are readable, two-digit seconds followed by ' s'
3 h 15 min 01 s
